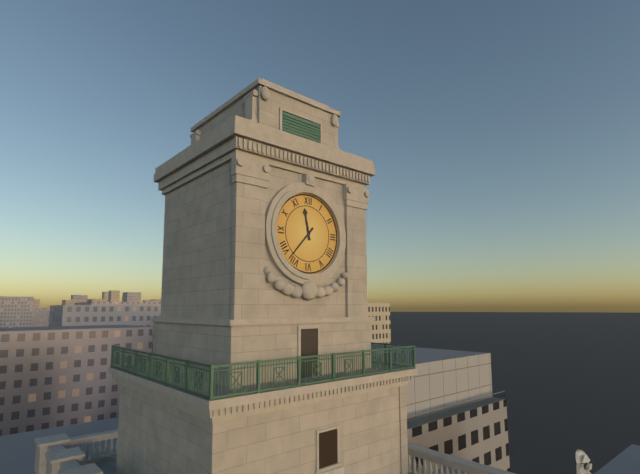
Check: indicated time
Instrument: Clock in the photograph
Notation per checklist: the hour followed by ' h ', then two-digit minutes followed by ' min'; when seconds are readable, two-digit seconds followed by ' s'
11 h 37 min
